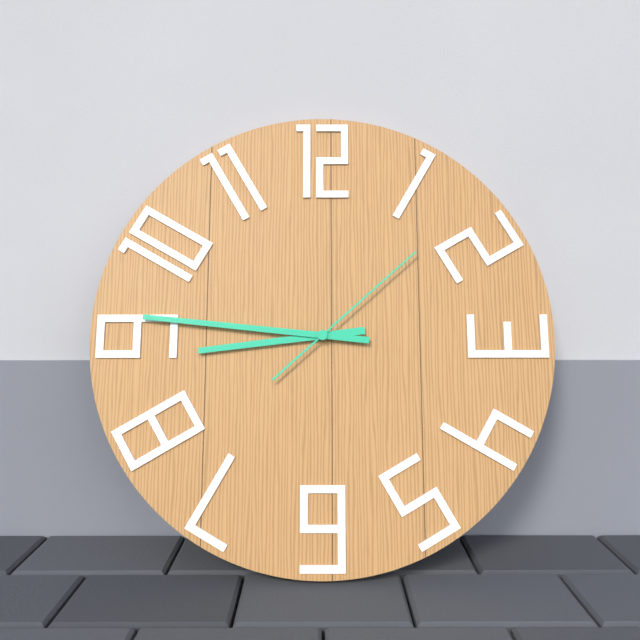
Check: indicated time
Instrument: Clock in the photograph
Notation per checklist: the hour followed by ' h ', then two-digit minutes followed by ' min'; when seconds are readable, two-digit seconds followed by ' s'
8 h 46 min 08 s
